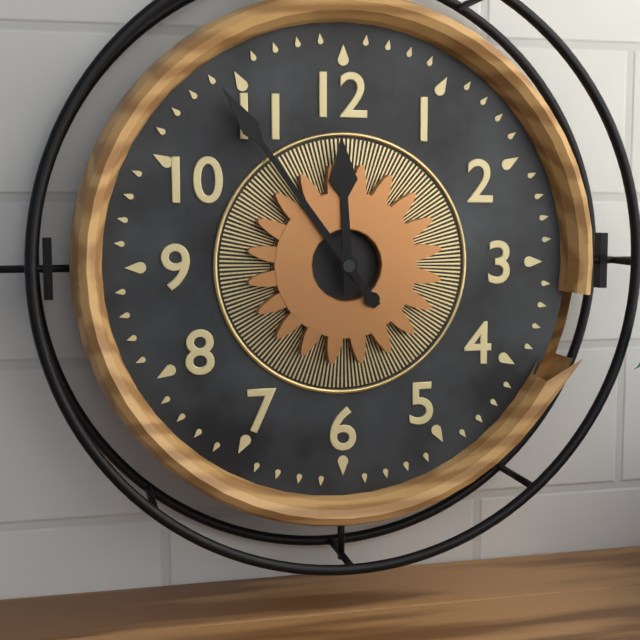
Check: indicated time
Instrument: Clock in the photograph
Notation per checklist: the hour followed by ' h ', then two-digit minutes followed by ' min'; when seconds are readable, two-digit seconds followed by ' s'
11 h 54 min
